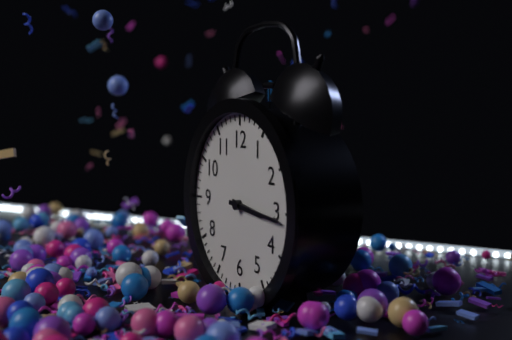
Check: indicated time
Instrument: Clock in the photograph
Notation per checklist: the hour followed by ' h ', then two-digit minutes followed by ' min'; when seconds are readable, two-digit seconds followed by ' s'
3 h 16 min
